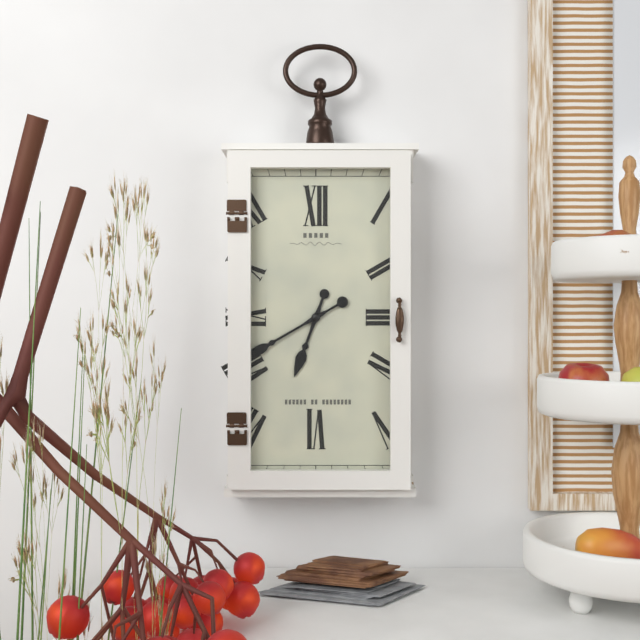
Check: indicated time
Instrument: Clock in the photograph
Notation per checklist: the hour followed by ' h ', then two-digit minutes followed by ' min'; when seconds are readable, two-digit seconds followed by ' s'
6 h 40 min
